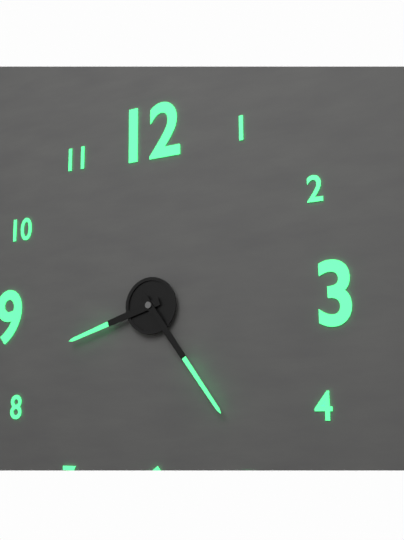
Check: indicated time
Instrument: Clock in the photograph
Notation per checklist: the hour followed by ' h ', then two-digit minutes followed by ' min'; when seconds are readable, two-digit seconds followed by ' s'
8 h 24 min
